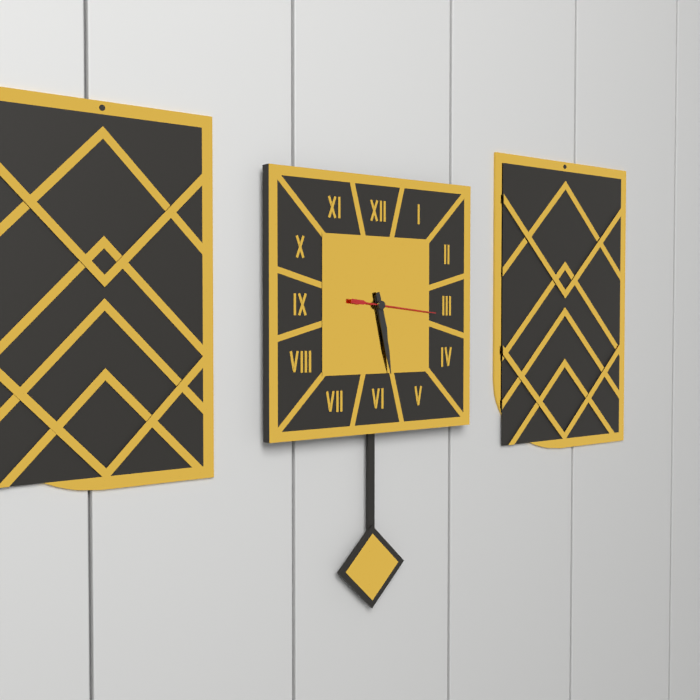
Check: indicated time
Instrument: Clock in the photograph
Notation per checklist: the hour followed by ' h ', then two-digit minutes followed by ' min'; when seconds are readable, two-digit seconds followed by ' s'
5 h 28 min 16 s
